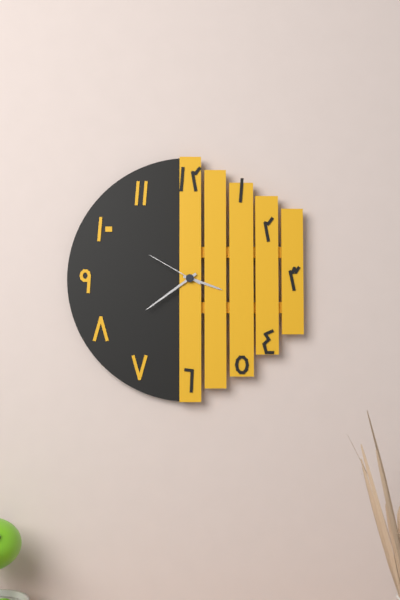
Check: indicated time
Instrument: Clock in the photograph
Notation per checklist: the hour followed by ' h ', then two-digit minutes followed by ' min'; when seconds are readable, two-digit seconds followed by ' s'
3 h 39 min 50 s
